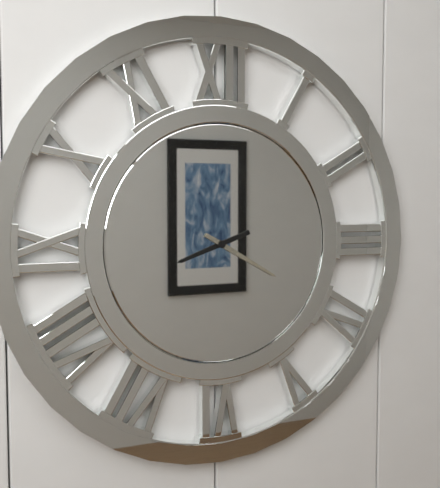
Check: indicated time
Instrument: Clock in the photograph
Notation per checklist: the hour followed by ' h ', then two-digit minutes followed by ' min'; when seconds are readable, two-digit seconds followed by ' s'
8 h 20 min
